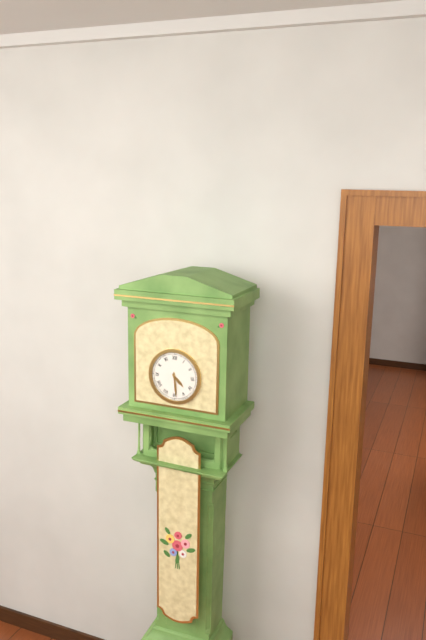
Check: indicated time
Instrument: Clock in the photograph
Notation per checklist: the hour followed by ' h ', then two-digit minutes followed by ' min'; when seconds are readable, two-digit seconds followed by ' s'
4 h 29 min
